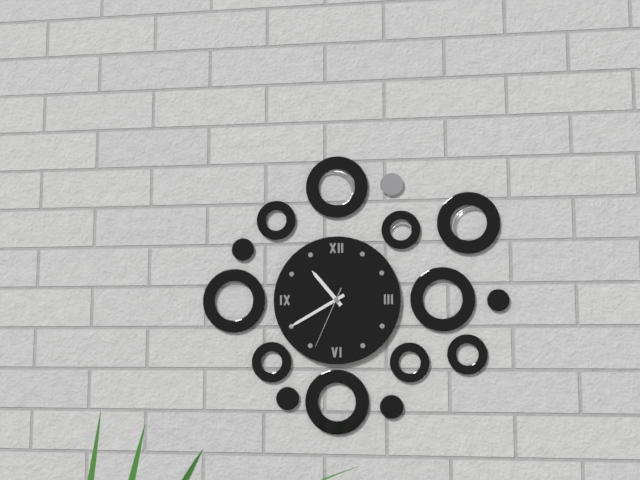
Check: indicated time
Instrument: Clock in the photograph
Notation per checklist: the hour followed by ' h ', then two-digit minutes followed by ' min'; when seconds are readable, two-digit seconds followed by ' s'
10 h 40 min 34 s
